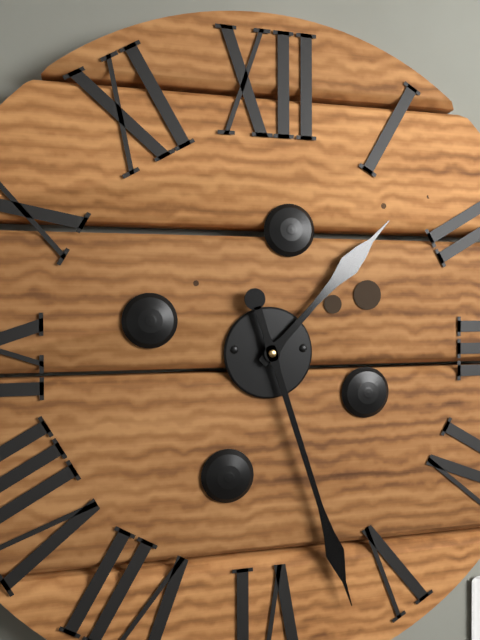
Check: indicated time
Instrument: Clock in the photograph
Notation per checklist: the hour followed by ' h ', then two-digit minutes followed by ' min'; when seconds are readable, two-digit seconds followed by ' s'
1 h 27 min
